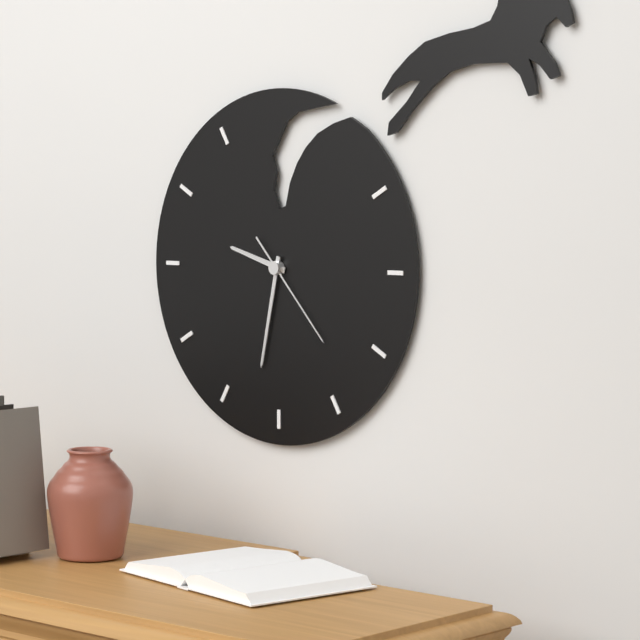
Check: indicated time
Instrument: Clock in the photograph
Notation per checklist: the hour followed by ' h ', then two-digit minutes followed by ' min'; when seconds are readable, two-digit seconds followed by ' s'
9 h 32 min 23 s
